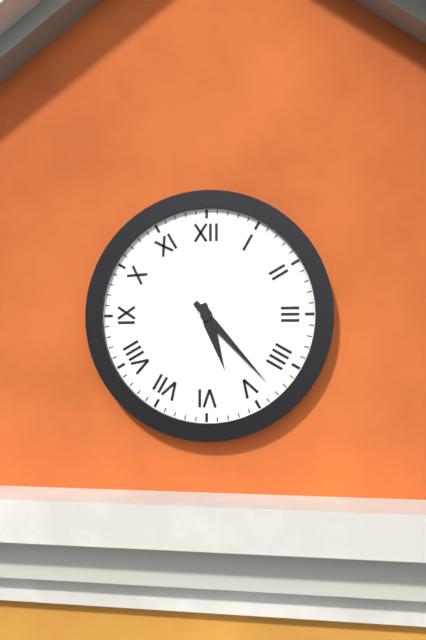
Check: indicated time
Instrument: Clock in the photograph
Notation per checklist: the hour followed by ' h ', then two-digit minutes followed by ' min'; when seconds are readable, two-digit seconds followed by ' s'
5 h 23 min
